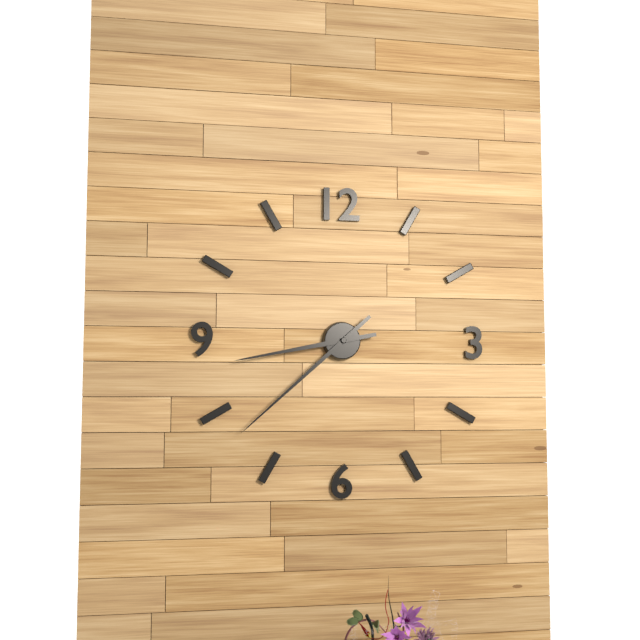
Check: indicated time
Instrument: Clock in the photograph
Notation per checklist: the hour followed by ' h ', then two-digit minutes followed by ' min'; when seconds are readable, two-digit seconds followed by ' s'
8 h 38 min
